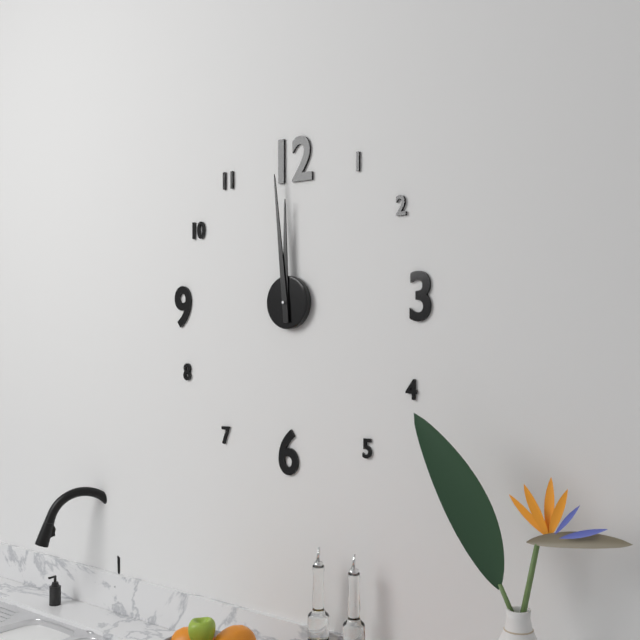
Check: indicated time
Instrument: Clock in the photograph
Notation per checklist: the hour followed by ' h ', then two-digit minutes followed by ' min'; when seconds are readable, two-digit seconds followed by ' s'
11 h 59 min
